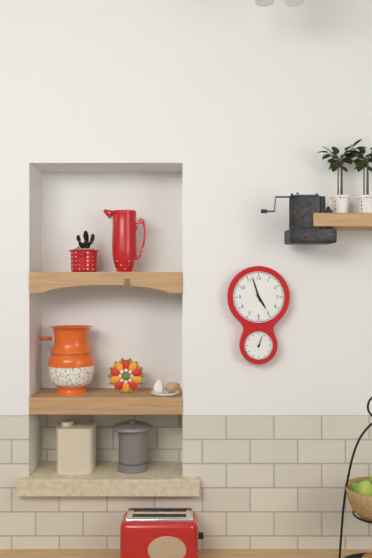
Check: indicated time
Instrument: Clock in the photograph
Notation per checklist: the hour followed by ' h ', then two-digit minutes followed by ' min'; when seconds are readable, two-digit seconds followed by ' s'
4 h 57 min
